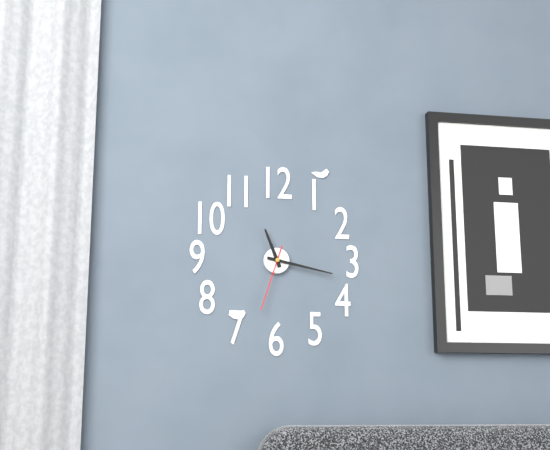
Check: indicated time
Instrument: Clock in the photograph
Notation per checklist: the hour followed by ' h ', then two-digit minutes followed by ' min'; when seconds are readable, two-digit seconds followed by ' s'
11 h 17 min 33 s
